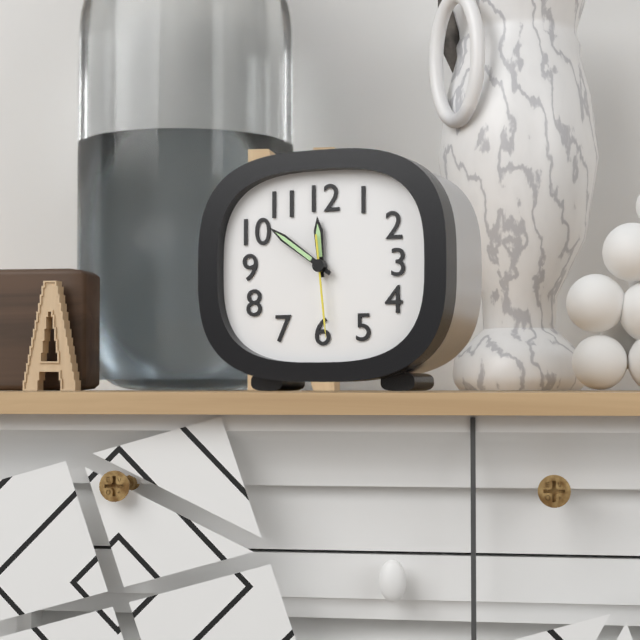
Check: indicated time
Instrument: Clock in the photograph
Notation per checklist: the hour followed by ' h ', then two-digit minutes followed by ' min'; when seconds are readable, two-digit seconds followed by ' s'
11 h 51 min 29 s
